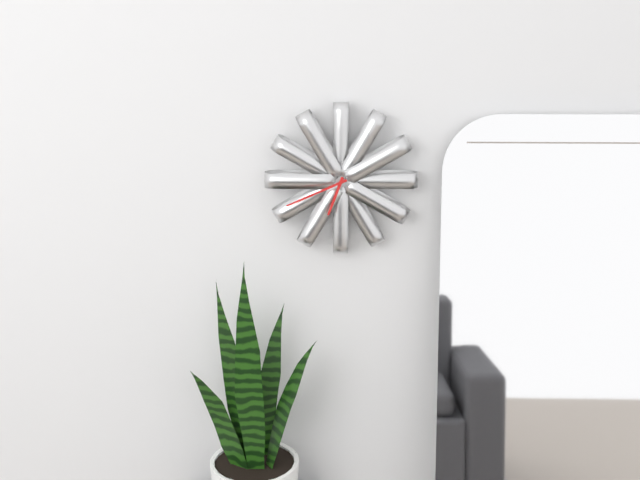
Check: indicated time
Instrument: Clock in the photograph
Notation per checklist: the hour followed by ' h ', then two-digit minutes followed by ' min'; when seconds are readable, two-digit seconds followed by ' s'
6 h 41 min
